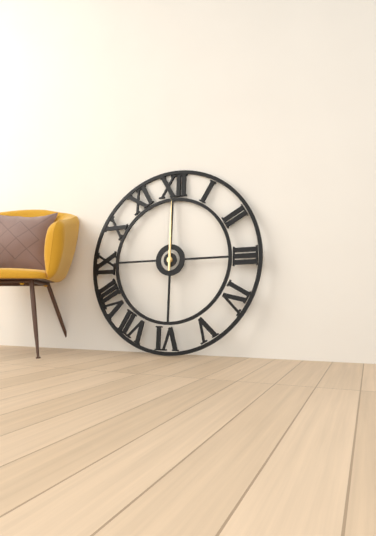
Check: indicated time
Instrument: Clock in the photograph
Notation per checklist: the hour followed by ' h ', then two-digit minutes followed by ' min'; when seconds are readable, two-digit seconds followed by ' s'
12 h 00 min
